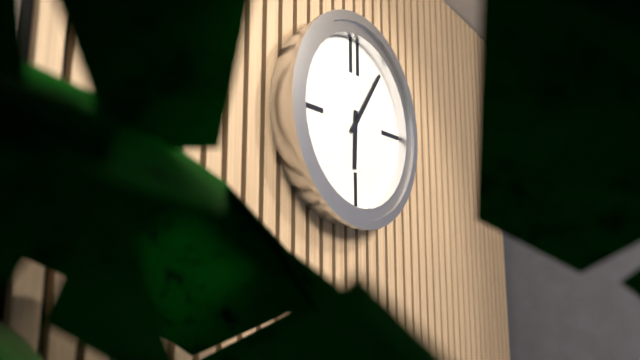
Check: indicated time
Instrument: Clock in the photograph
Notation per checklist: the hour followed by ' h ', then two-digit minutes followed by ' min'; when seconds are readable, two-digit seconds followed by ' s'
6 h 06 min
